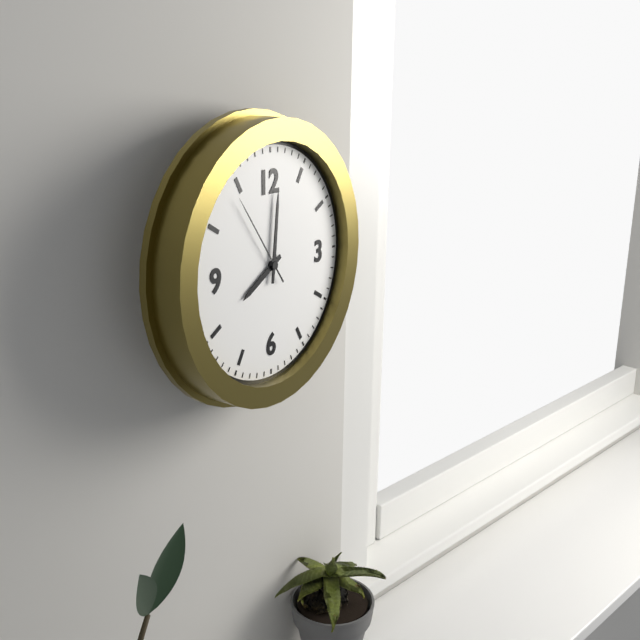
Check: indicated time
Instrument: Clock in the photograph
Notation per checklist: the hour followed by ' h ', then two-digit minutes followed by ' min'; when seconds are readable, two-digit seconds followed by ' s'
8 h 01 min 54 s
